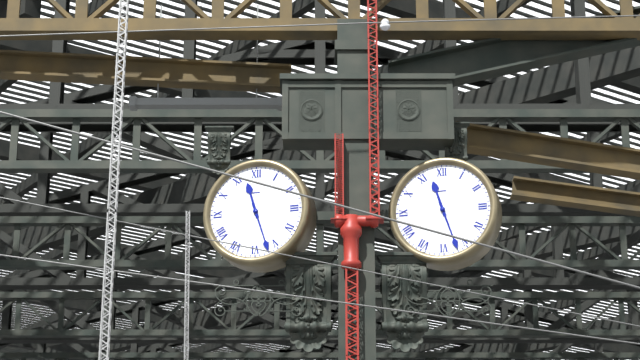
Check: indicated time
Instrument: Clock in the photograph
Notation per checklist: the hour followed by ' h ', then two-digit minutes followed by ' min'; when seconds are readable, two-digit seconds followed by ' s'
11 h 27 min
